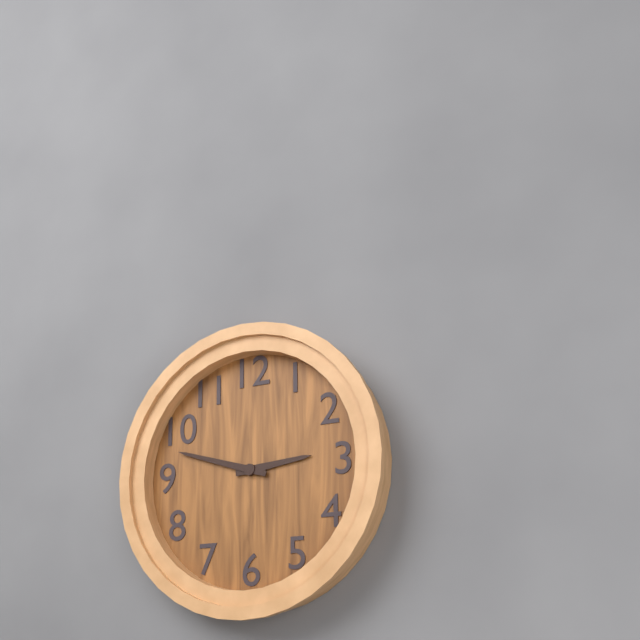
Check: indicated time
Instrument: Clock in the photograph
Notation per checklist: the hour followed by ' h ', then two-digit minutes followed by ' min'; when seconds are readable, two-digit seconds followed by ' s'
2 h 48 min
